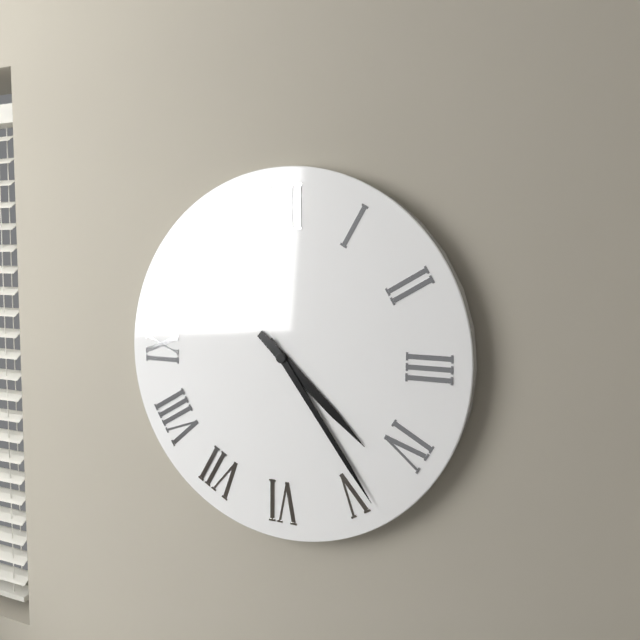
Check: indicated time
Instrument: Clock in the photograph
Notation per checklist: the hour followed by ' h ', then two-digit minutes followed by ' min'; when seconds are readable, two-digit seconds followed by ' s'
4 h 24 min
